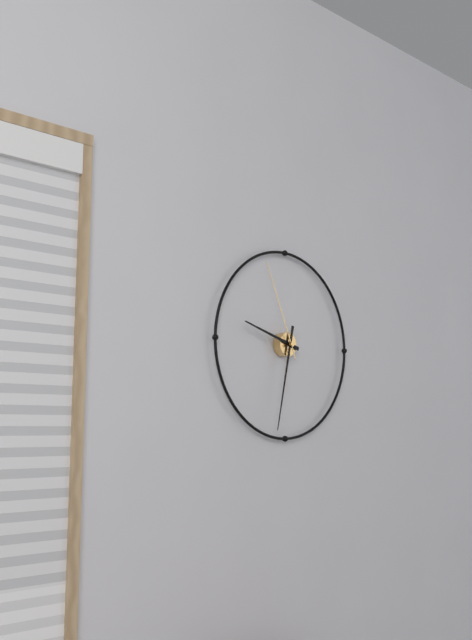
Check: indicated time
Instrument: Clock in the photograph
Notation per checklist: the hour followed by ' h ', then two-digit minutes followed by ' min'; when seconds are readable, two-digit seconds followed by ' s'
9 h 32 min 56 s
